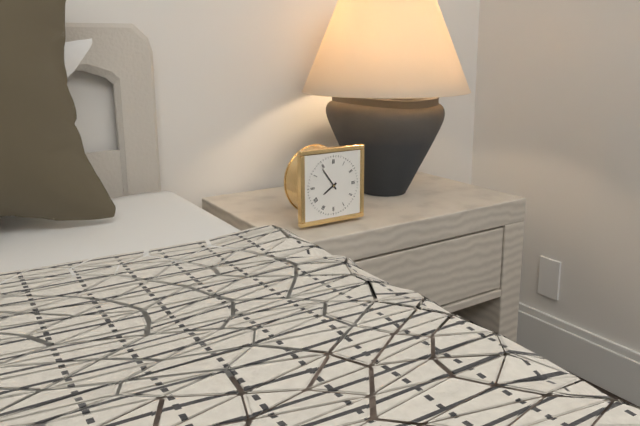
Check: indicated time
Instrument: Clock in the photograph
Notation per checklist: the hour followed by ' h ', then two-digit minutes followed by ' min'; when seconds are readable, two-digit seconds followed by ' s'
7 h 54 min
